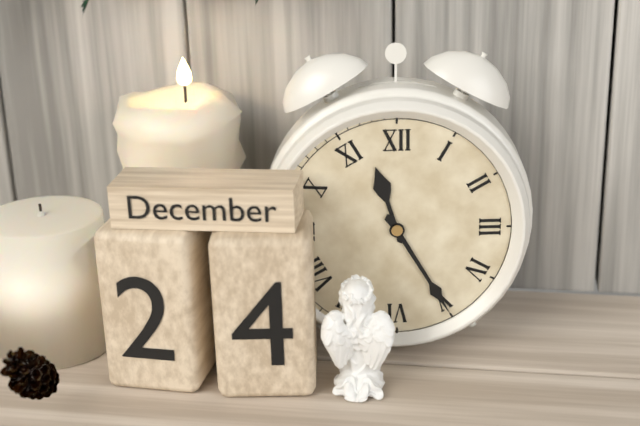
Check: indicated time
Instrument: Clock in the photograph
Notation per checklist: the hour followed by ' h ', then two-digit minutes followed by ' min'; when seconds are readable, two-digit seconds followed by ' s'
11 h 25 min
